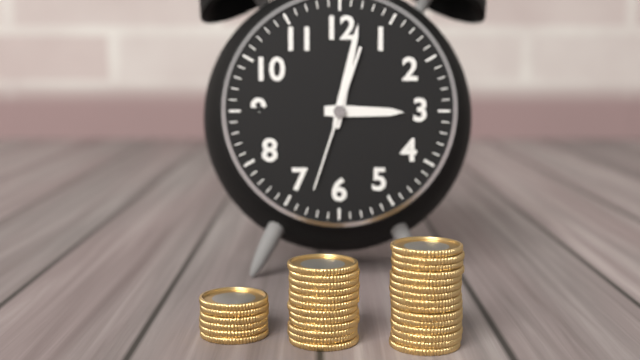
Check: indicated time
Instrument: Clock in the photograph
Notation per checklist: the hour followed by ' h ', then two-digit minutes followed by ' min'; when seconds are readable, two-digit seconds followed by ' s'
3 h 02 min 33 s
